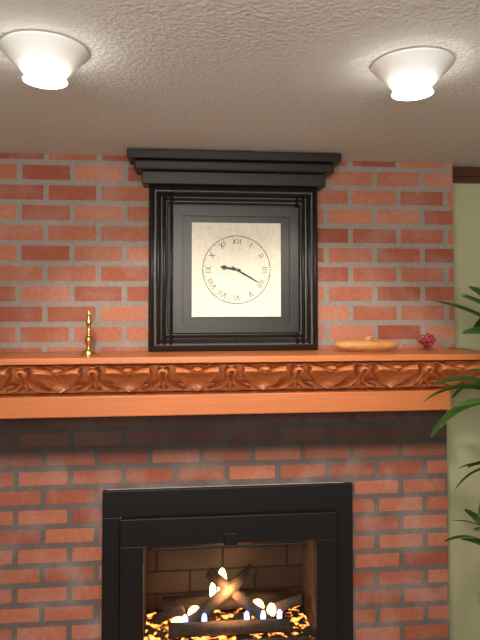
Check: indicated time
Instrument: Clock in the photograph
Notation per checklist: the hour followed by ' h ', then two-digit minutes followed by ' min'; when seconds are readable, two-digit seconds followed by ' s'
9 h 20 min
